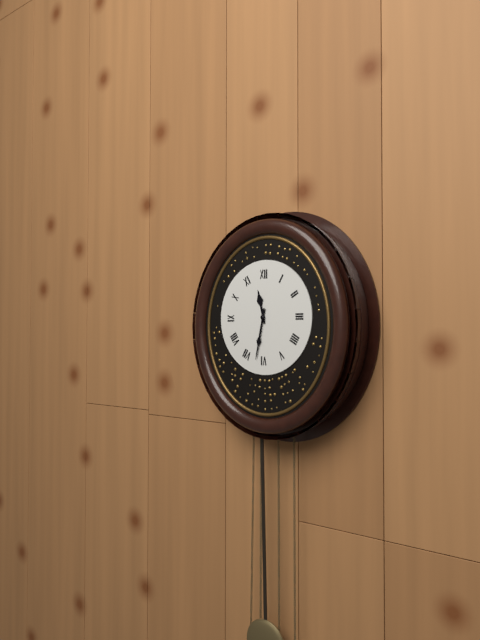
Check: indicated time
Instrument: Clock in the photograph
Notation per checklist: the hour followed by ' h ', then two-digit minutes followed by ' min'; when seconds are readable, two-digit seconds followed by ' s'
11 h 32 min
